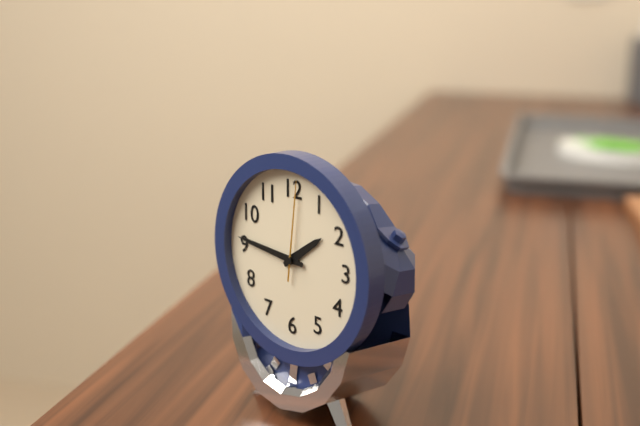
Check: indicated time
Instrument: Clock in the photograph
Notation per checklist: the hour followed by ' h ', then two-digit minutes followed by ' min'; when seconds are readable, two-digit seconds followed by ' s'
1 h 46 min 01 s
